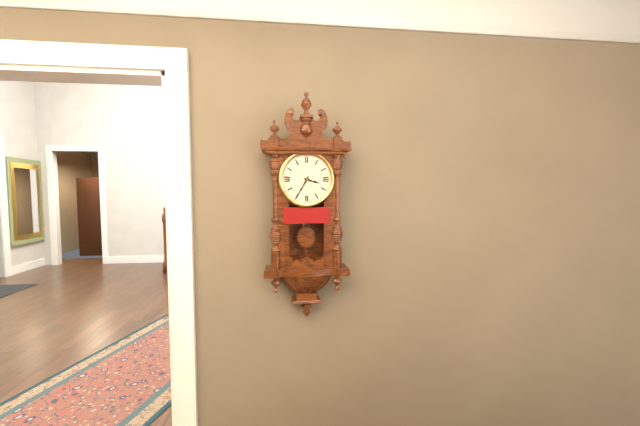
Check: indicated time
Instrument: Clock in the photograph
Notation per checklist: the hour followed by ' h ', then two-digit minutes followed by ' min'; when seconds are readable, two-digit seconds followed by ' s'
3 h 35 min
